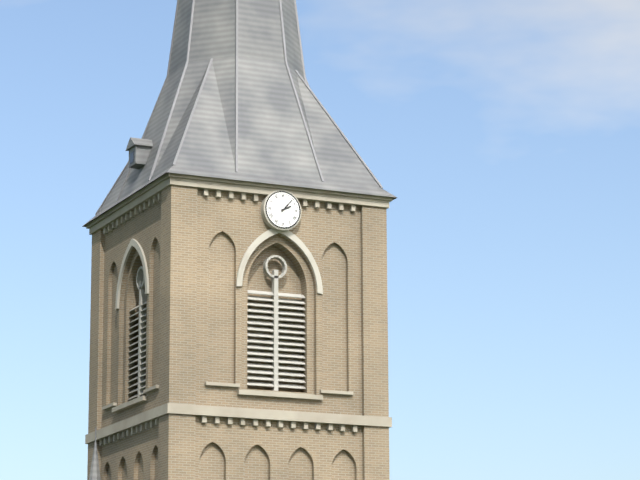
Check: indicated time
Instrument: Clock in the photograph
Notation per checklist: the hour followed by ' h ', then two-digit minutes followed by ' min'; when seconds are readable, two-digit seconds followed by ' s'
2 h 07 min
